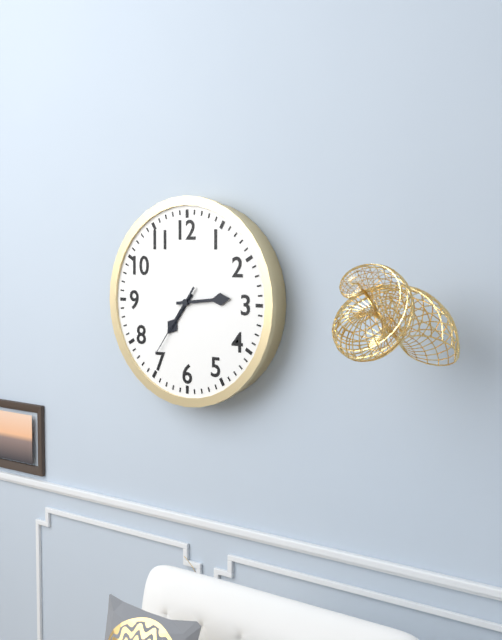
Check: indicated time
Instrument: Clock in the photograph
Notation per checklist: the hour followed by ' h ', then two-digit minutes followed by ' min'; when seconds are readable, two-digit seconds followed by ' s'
7 h 14 min 36 s
